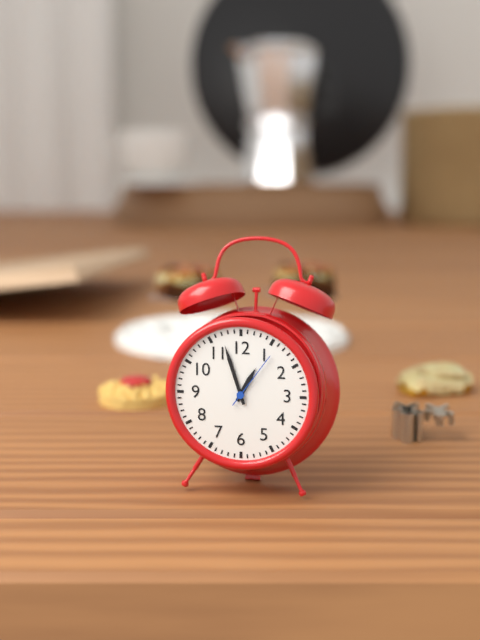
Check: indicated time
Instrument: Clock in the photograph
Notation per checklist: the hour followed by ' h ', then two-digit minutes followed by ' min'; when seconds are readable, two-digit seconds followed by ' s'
12 h 57 min 06 s
